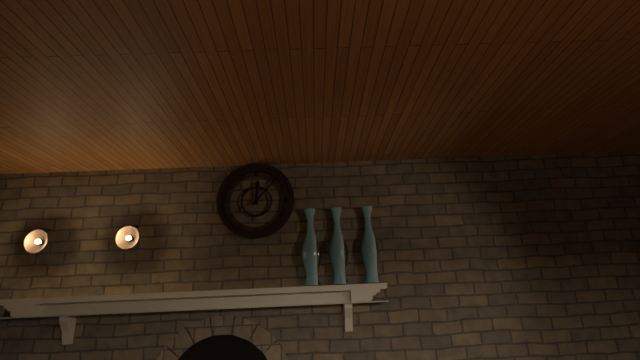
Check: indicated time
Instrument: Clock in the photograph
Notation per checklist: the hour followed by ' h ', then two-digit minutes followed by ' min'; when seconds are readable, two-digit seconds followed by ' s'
12 h 07 min
